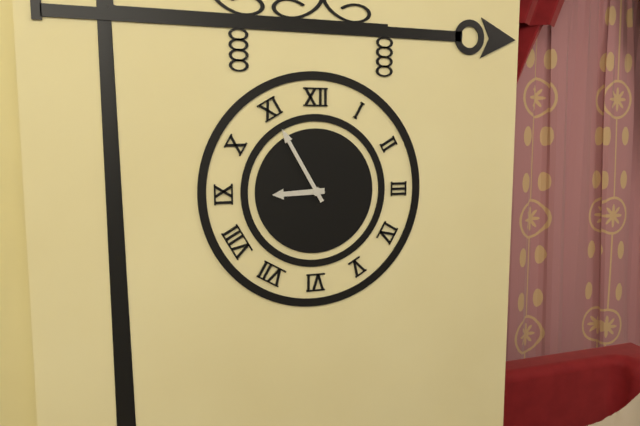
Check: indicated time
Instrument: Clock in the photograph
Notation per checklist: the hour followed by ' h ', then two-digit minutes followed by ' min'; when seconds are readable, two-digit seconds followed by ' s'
8 h 55 min
